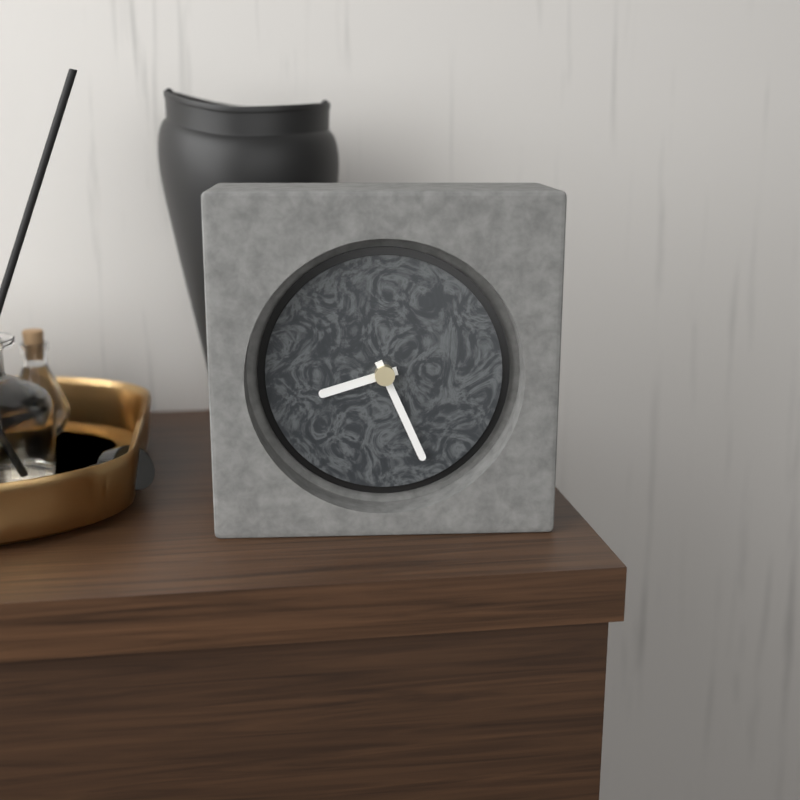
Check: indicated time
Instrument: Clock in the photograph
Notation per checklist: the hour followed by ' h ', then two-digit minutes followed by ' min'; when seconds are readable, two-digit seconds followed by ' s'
8 h 26 min
